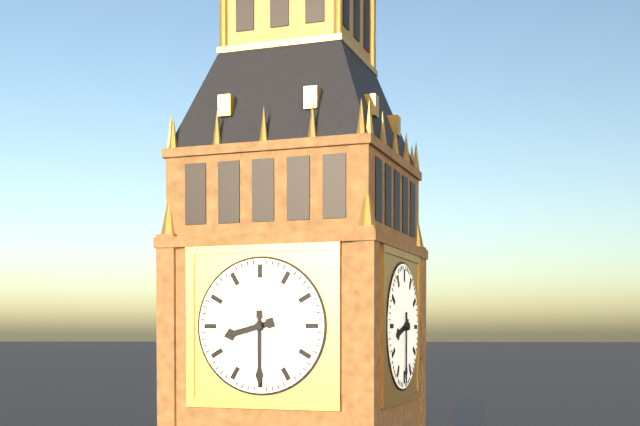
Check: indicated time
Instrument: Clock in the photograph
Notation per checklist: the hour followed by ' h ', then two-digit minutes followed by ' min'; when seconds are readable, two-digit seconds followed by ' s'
8 h 30 min
